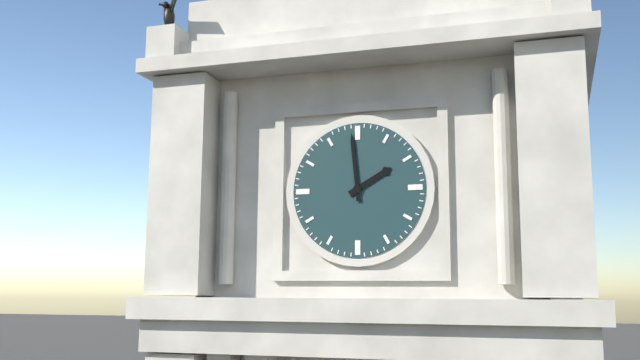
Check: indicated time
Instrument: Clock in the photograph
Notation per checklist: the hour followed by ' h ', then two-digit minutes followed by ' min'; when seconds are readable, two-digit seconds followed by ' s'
1 h 59 min
